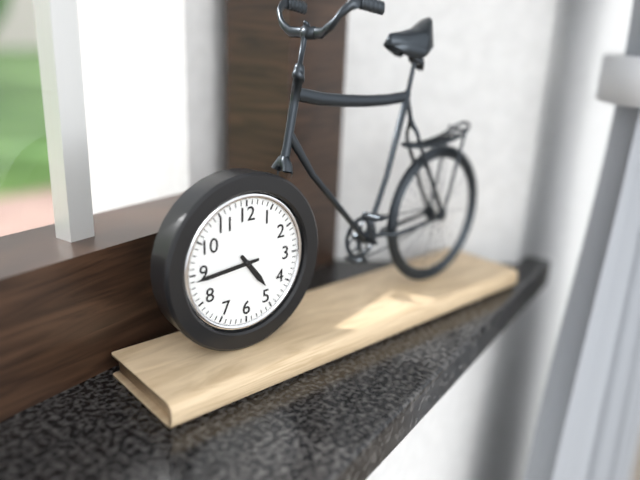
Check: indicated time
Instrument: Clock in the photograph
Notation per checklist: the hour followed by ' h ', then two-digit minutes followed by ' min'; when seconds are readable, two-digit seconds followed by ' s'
4 h 44 min
